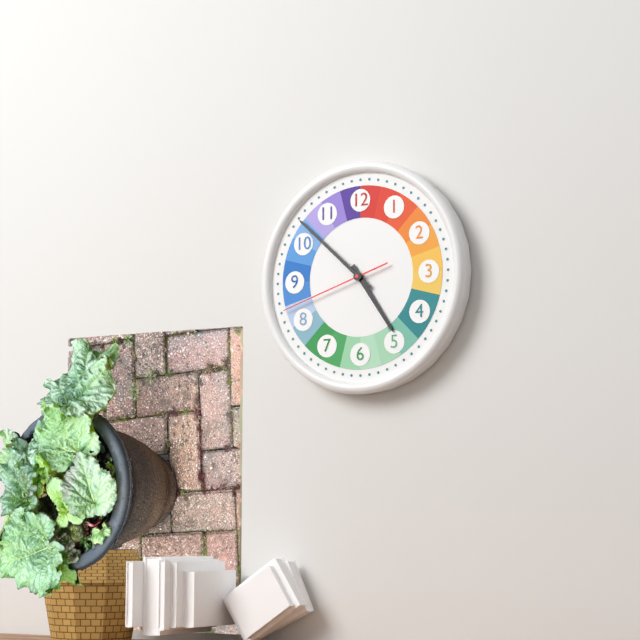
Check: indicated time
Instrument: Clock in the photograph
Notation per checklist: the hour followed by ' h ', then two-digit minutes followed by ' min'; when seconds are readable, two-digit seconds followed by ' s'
4 h 52 min 42 s
